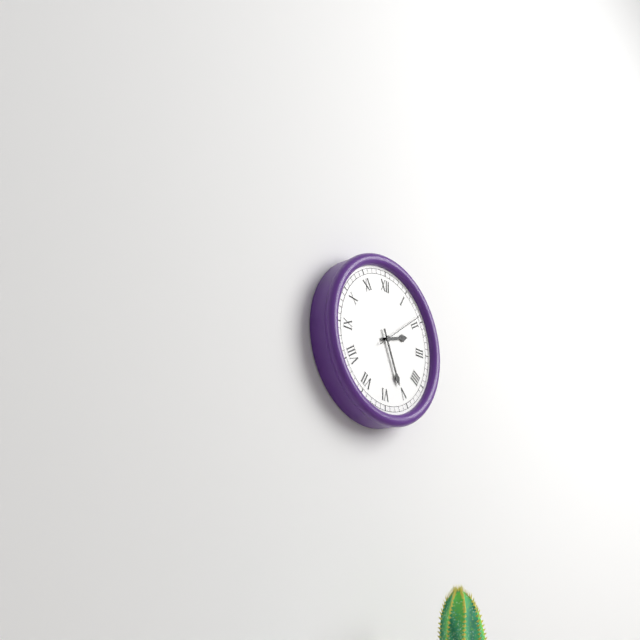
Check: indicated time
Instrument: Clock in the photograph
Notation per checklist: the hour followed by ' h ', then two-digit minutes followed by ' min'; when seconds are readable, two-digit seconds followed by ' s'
2 h 26 min
